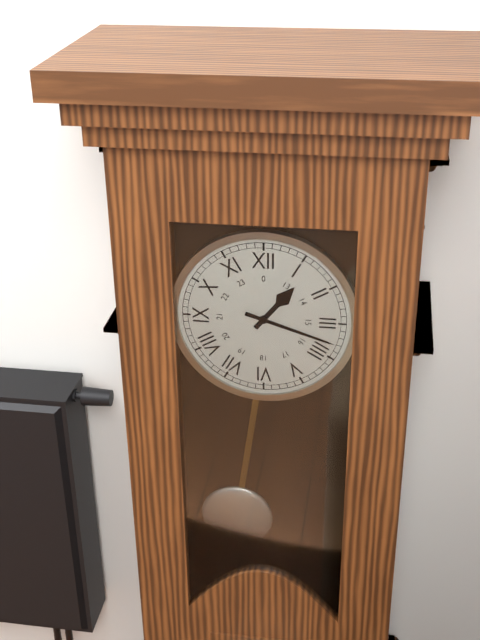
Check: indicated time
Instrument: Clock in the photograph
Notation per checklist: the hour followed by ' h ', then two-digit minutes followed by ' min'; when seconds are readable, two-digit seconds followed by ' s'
1 h 18 min
